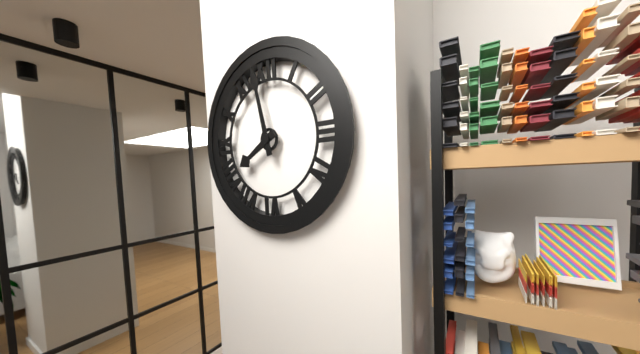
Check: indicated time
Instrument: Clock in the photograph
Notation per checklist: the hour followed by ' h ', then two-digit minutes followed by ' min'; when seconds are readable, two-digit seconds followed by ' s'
7 h 58 min
